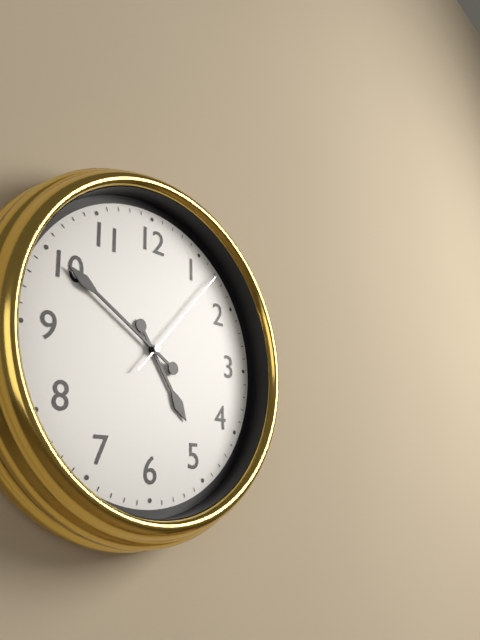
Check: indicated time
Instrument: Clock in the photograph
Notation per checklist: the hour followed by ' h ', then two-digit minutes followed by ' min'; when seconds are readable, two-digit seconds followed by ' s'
4 h 50 min 07 s
